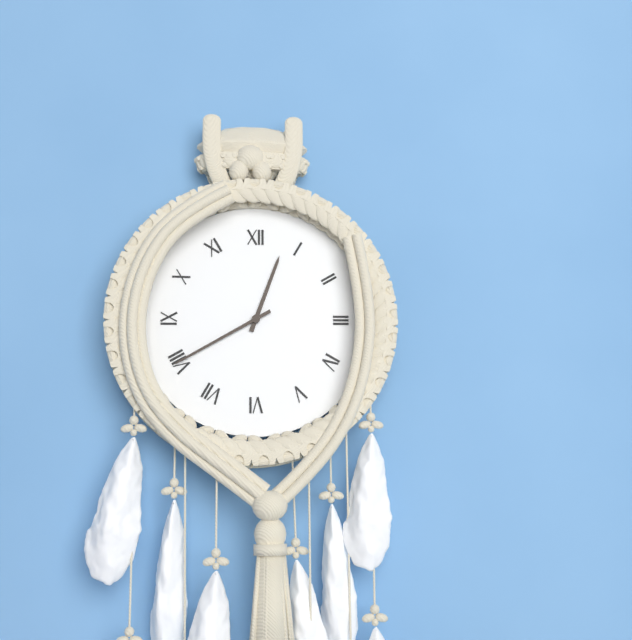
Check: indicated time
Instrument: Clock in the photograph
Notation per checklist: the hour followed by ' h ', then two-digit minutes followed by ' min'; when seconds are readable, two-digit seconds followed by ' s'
12 h 40 min
